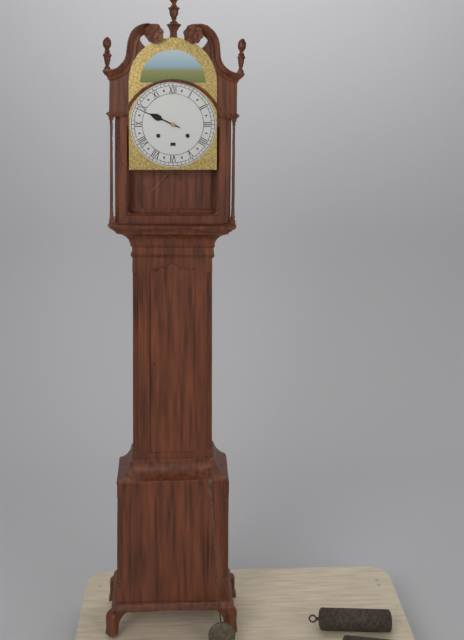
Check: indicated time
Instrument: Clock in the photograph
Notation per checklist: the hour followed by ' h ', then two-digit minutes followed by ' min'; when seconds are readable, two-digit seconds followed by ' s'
9 h 49 min
